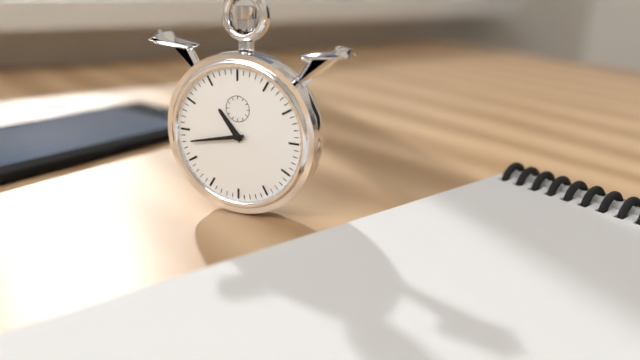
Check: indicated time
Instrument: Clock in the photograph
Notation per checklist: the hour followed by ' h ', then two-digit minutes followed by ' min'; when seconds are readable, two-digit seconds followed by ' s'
10 h 43 min
